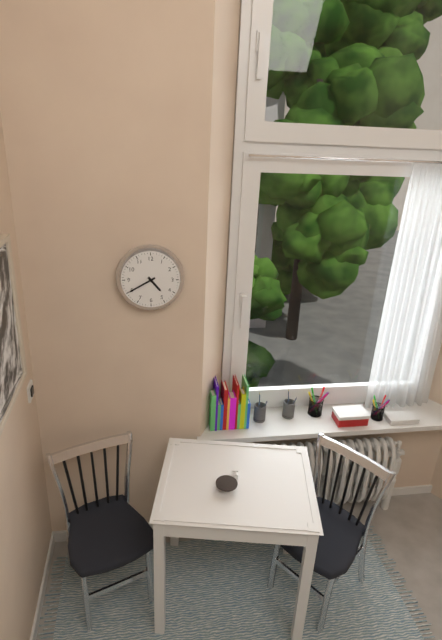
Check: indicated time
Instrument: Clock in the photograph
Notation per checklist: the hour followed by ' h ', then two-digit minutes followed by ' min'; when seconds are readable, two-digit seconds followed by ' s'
4 h 40 min
